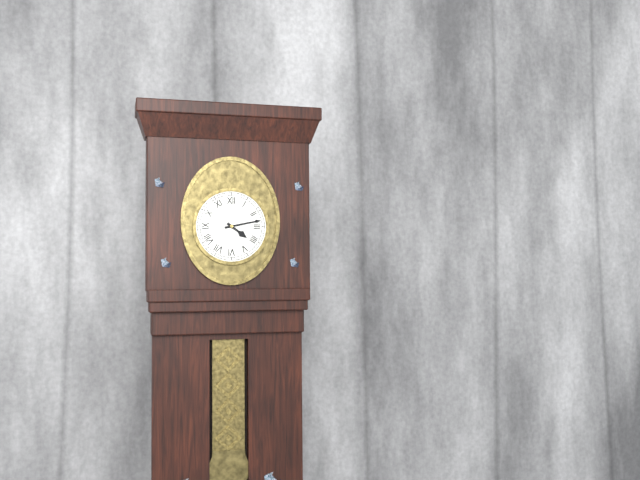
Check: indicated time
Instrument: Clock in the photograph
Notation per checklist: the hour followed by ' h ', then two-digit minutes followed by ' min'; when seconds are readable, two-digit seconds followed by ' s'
4 h 13 min
